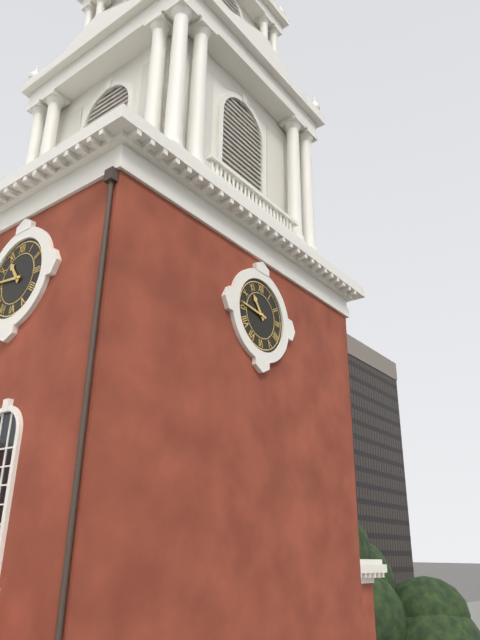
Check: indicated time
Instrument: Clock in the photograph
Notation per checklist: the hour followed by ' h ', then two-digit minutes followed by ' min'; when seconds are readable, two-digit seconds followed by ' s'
10 h 46 min
